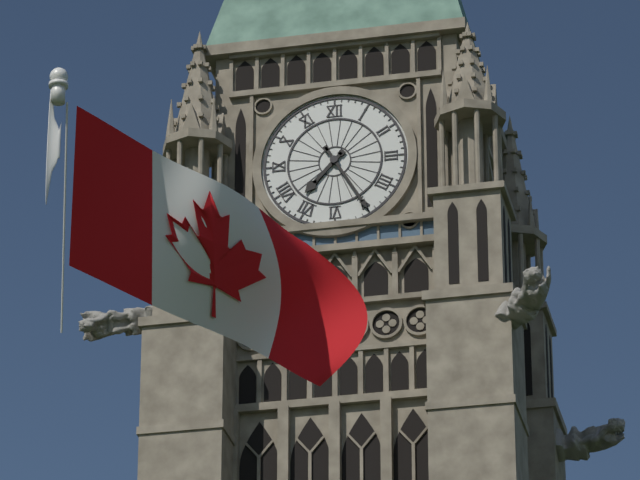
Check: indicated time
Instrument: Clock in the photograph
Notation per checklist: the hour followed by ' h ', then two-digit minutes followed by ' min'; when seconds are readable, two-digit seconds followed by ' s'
7 h 25 min
